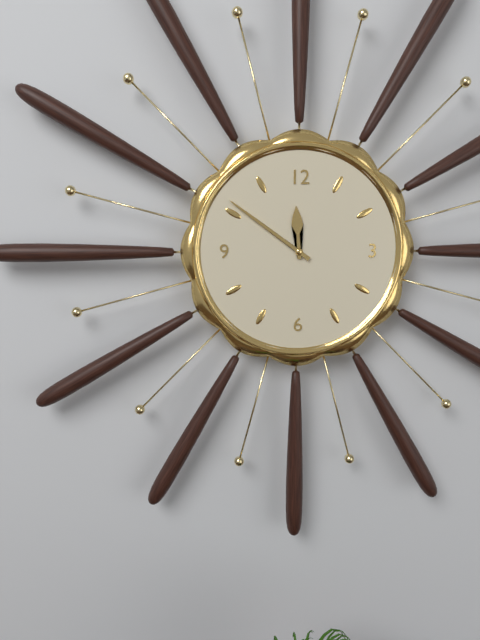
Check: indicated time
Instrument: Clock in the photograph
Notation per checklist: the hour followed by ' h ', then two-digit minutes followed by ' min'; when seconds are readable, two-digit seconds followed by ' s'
11 h 51 min
